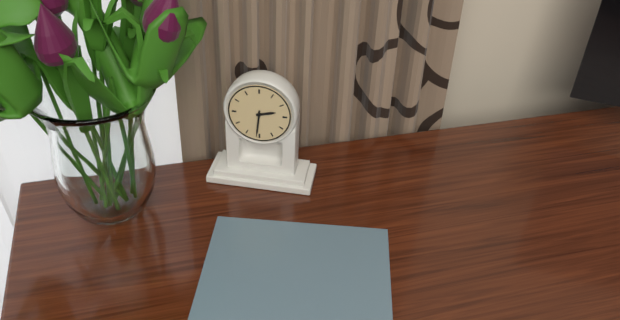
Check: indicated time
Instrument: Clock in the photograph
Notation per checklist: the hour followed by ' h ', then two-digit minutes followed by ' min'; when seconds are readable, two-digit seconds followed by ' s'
2 h 31 min
